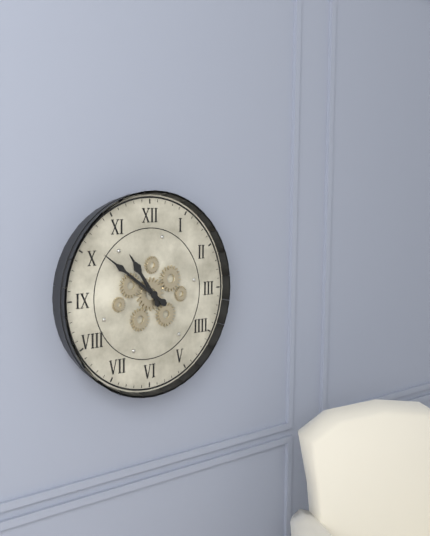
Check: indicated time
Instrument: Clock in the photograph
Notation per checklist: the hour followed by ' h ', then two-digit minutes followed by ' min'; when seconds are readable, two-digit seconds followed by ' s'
10 h 51 min
